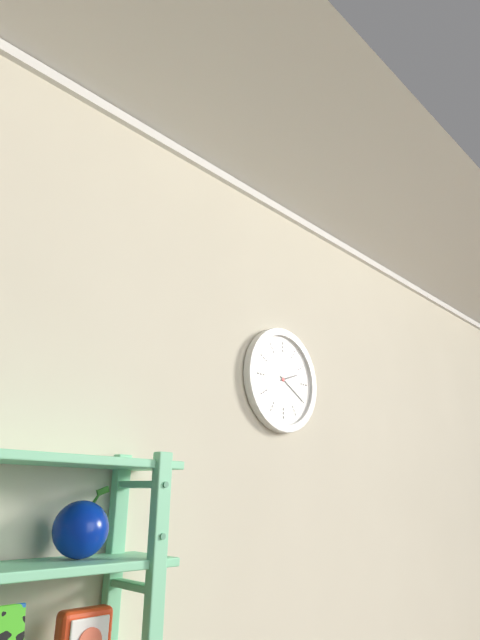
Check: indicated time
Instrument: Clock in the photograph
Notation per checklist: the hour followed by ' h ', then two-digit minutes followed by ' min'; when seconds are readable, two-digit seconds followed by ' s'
2 h 20 min
